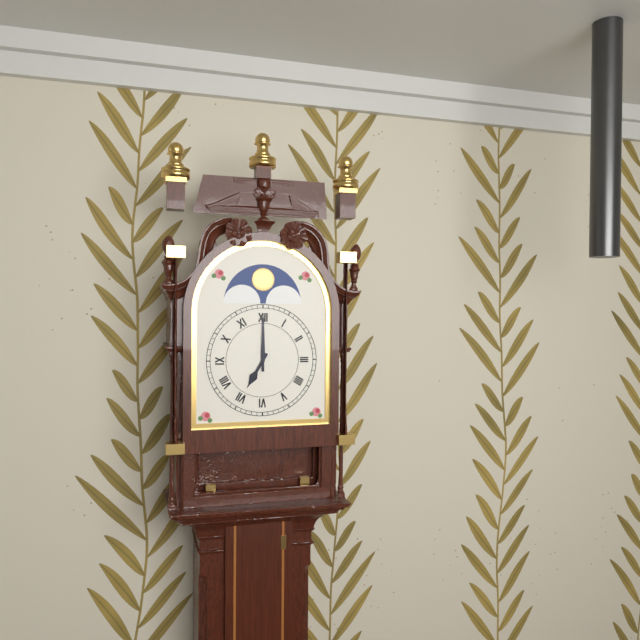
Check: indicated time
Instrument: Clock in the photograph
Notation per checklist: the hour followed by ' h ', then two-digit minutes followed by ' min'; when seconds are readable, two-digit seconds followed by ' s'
7 h 00 min
